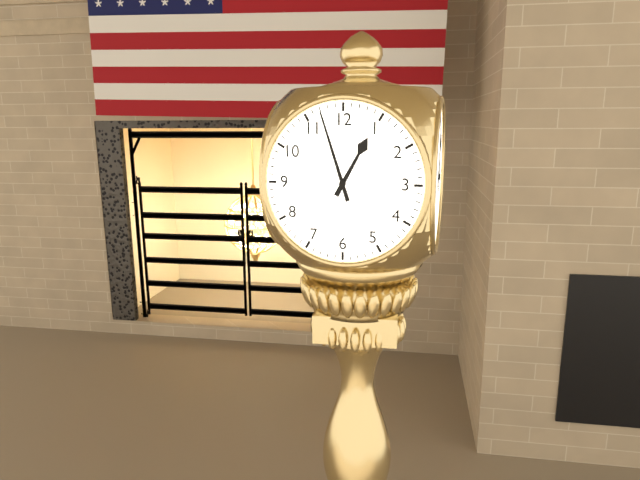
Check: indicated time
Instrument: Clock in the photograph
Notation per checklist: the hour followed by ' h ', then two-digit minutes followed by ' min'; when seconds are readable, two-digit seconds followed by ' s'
12 h 57 min
